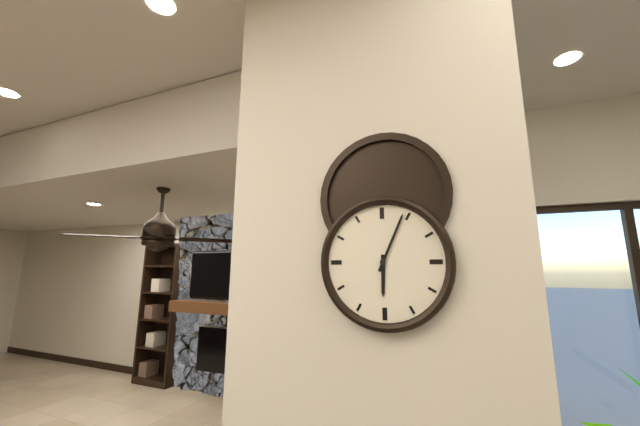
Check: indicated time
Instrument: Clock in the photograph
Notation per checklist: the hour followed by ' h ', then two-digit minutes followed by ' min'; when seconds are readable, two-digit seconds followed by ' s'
6 h 04 min
